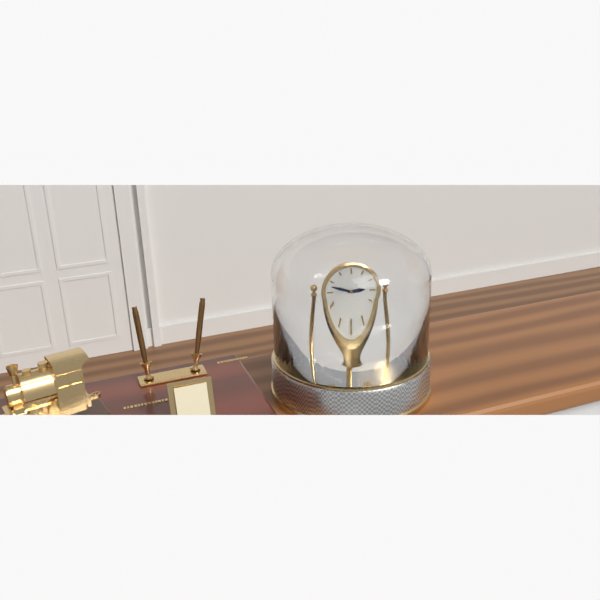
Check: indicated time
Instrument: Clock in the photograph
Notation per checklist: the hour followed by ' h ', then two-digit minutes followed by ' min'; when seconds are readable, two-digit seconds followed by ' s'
2 h 48 min
